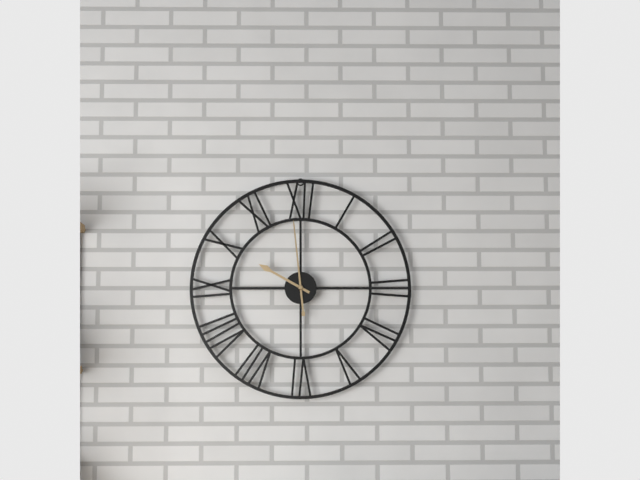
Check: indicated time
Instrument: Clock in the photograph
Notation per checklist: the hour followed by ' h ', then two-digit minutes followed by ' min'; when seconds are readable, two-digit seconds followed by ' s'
9 h 59 min
